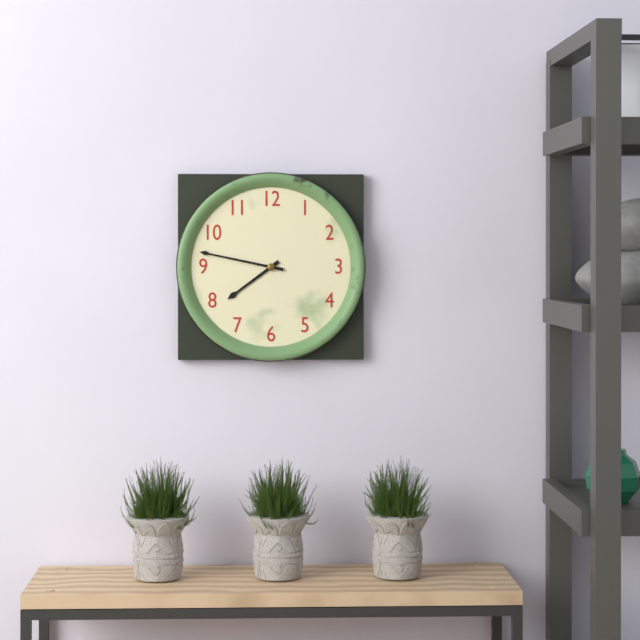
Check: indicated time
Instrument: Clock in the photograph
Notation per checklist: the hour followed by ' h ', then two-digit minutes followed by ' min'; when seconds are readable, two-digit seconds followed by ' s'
7 h 47 min
